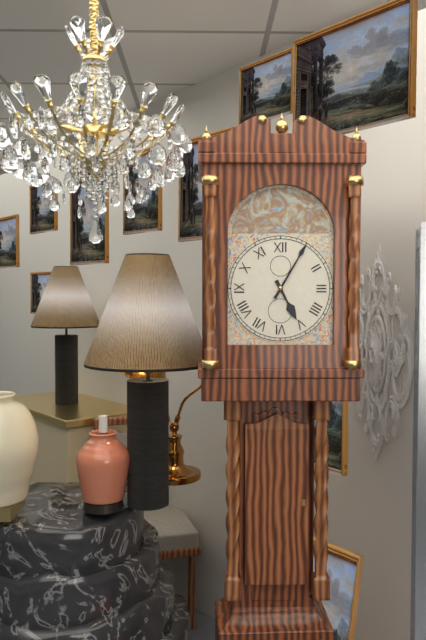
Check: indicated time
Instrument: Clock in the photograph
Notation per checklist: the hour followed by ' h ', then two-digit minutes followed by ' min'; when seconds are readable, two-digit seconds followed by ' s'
5 h 05 min
